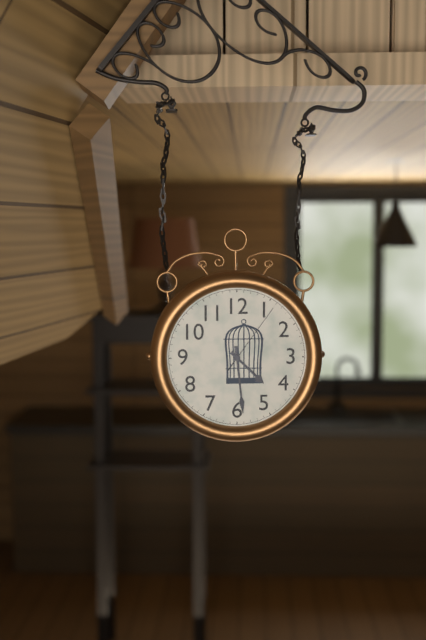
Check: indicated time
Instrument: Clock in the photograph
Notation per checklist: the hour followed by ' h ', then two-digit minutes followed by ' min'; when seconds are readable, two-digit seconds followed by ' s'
4 h 29 min 06 s
